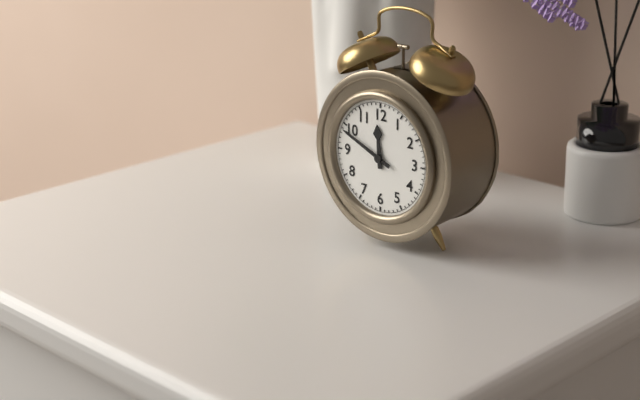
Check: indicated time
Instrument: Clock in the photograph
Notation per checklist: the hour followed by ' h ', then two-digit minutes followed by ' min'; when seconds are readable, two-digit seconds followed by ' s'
11 h 49 min
